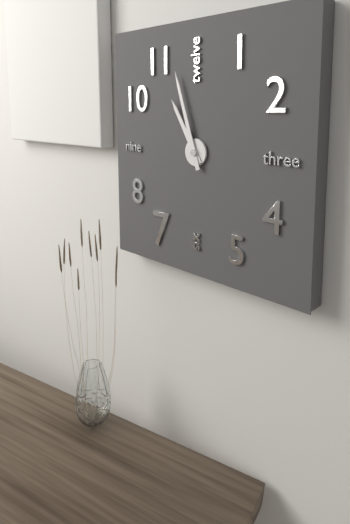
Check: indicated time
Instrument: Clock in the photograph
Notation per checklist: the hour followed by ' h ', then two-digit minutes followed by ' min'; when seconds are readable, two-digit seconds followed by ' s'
10 h 57 min
